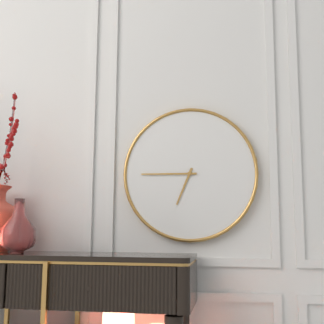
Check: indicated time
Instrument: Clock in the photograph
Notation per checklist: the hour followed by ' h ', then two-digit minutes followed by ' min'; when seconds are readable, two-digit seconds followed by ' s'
6 h 45 min
